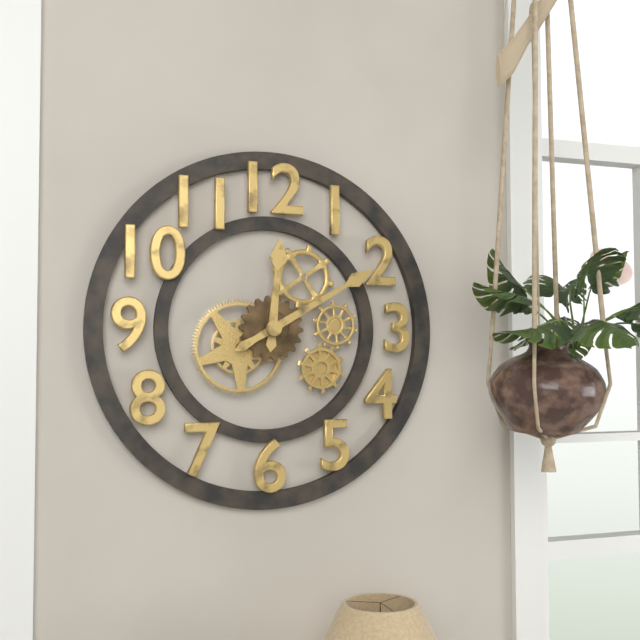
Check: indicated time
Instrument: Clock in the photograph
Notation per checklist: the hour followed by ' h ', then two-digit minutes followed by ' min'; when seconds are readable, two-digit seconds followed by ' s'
12 h 10 min
